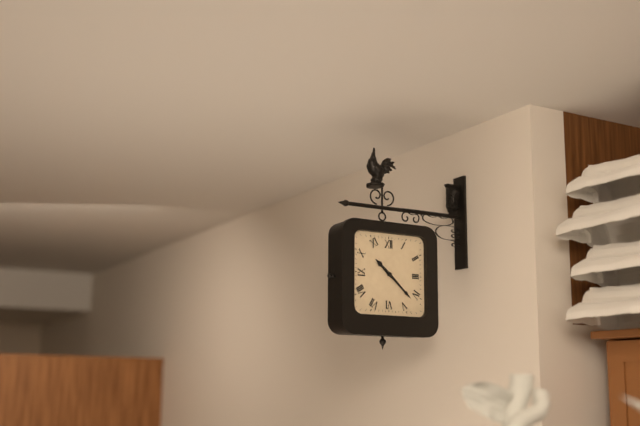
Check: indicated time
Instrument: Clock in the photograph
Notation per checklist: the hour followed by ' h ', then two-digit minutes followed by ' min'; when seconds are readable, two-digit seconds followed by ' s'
10 h 22 min
